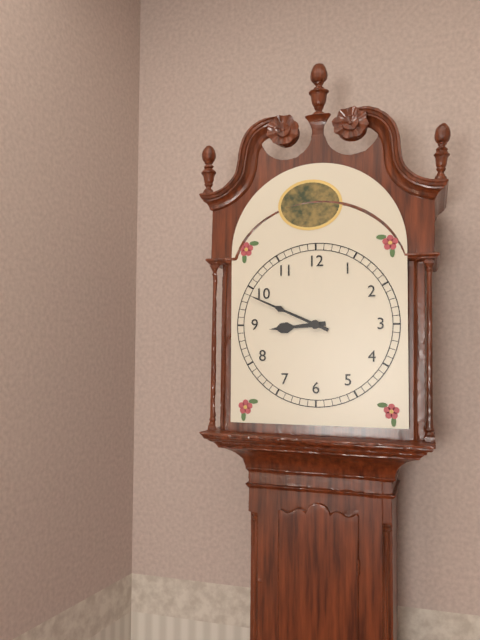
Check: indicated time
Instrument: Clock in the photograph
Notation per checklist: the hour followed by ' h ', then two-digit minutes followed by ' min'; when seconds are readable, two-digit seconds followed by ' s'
8 h 49 min
